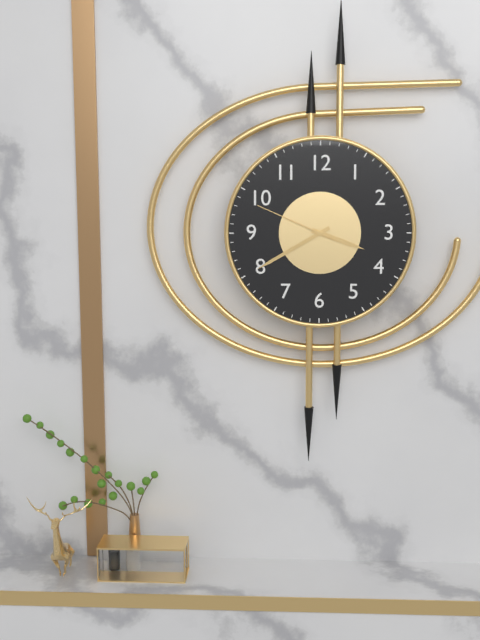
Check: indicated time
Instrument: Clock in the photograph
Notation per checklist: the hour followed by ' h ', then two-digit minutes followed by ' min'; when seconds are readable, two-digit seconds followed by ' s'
3 h 40 min 49 s
